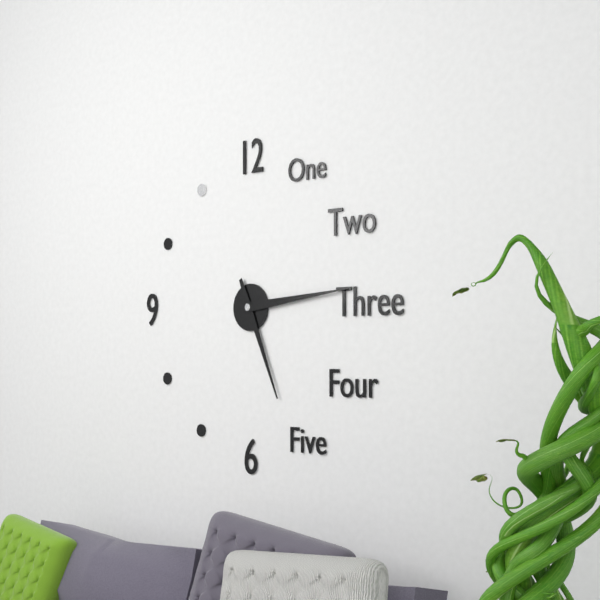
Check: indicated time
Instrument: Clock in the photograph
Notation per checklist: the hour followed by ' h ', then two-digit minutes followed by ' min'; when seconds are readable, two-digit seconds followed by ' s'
5 h 14 min
